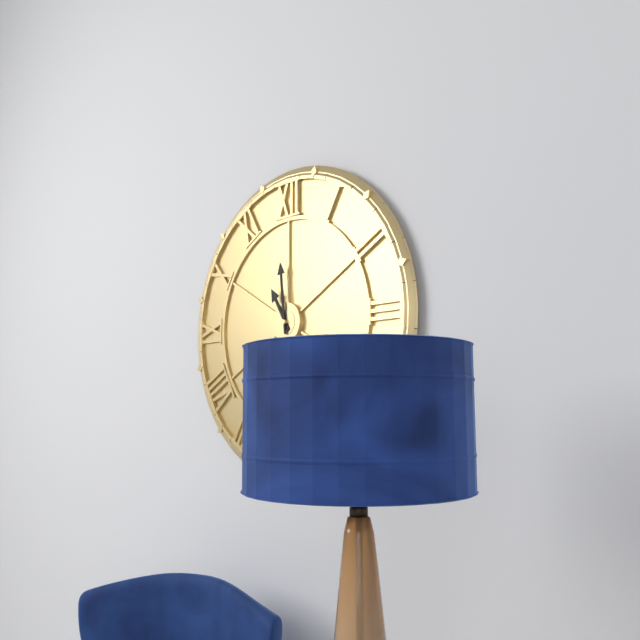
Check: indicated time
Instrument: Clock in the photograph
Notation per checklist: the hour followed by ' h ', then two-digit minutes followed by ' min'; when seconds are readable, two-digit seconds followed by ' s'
10 h 59 min
